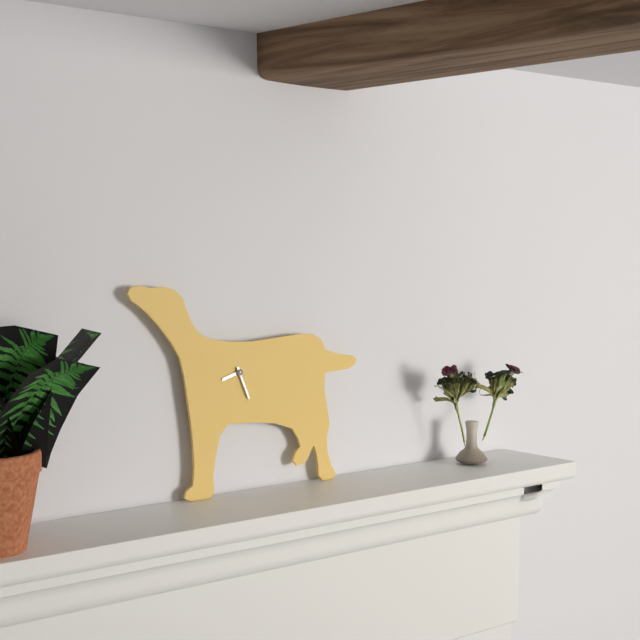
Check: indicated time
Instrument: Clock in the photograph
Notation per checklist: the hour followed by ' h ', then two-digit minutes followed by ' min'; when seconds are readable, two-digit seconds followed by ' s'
8 h 26 min
